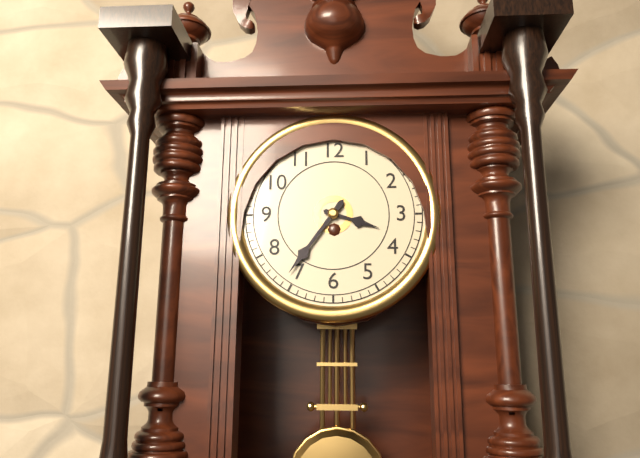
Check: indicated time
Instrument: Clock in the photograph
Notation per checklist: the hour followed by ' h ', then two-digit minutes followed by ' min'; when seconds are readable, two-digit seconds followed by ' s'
3 h 36 min
